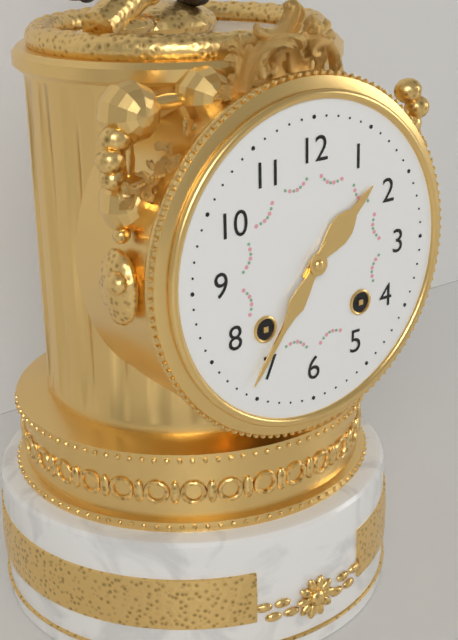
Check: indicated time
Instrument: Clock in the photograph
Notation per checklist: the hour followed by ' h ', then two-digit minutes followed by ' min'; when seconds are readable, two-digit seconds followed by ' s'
1 h 36 min
